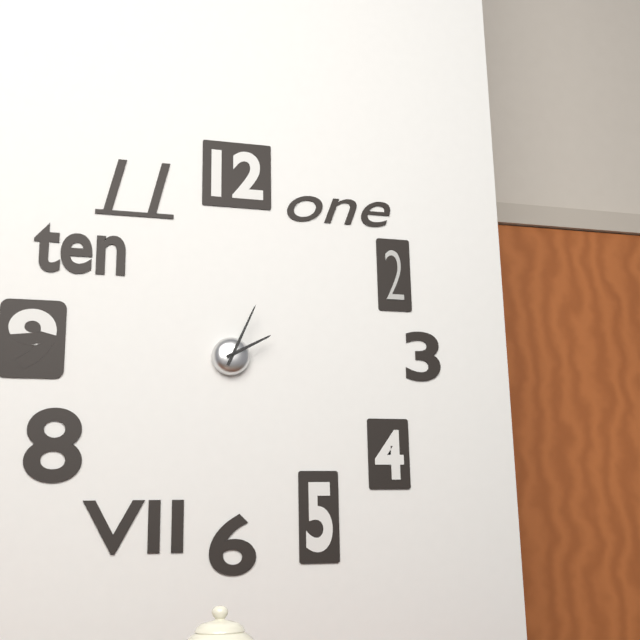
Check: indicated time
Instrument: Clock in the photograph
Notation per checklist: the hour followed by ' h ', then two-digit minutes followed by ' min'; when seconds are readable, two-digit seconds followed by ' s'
2 h 04 min
